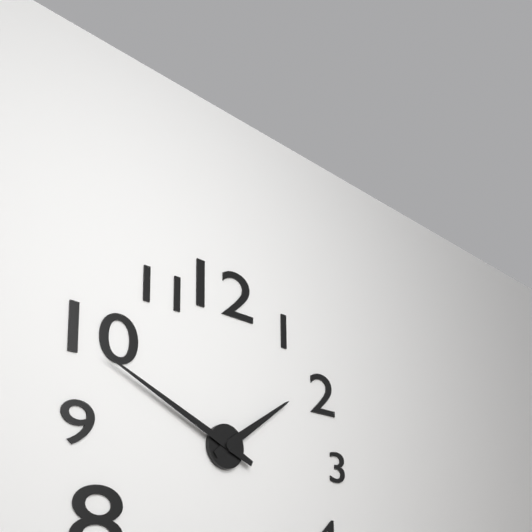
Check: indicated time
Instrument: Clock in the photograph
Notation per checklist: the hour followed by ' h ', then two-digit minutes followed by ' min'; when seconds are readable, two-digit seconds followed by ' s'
1 h 49 min
